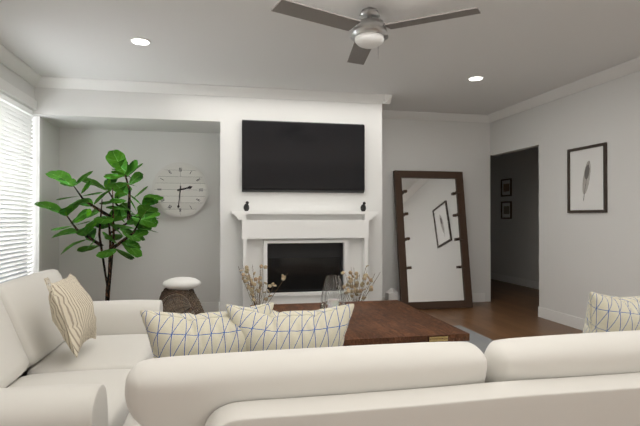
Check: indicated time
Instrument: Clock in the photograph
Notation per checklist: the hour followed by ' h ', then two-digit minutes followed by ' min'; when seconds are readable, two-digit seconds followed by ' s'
2 h 31 min
